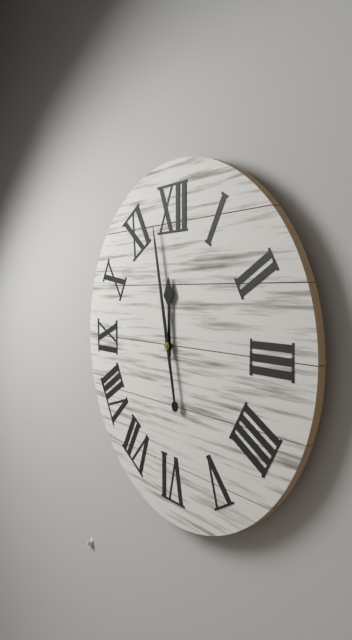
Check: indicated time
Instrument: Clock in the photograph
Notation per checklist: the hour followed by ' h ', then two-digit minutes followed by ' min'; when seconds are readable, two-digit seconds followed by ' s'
11 h 58 min
